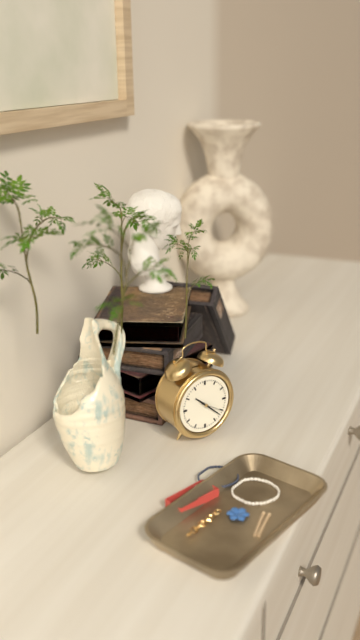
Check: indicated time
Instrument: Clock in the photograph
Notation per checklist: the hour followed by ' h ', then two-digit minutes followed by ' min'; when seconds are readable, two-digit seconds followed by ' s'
10 h 22 min
